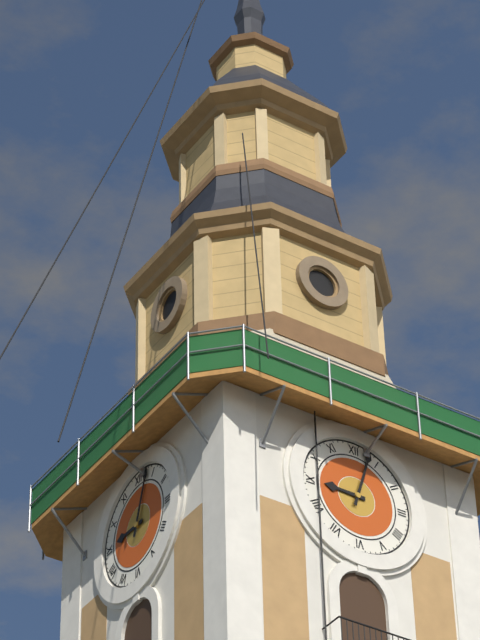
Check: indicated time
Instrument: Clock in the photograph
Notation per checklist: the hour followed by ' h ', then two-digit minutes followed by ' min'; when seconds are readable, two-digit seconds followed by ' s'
9 h 03 min
